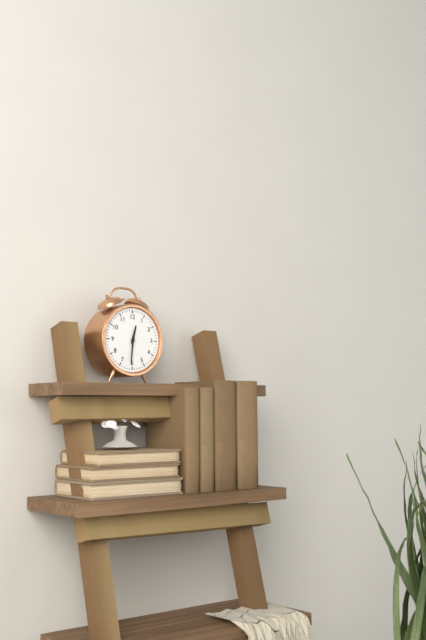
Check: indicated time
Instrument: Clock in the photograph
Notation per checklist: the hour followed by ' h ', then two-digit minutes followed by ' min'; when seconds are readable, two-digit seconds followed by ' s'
12 h 31 min
